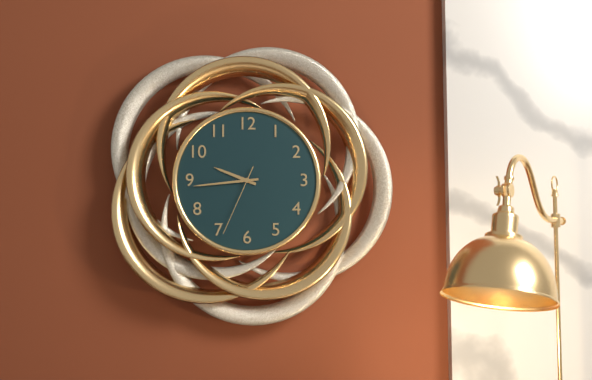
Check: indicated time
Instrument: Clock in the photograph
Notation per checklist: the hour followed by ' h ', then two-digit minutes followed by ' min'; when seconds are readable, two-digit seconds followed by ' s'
9 h 44 min 34 s
